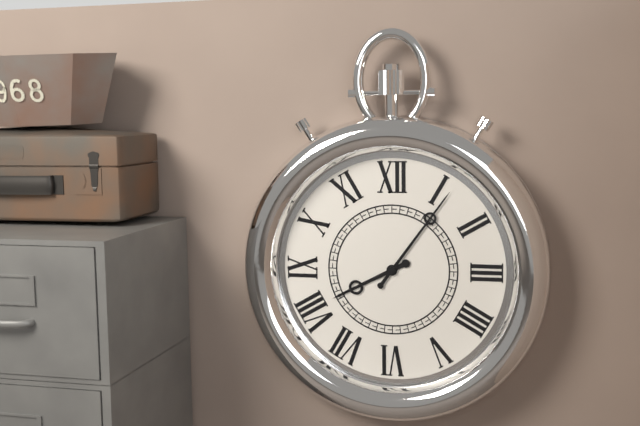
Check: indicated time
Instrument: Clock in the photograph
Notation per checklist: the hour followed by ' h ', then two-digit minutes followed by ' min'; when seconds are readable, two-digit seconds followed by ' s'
8 h 06 min
